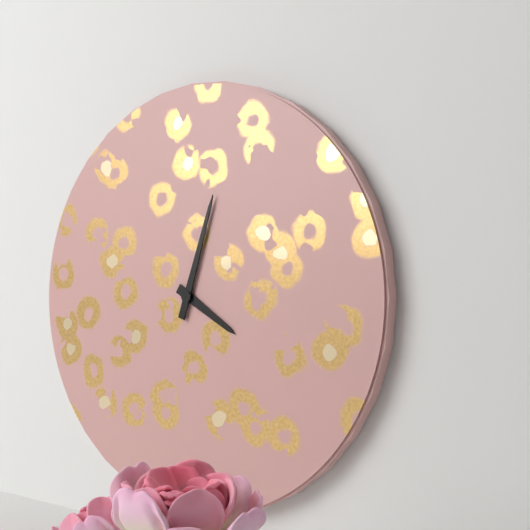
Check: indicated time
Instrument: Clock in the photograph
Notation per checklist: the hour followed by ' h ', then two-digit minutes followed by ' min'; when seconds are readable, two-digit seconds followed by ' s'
4 h 03 min
